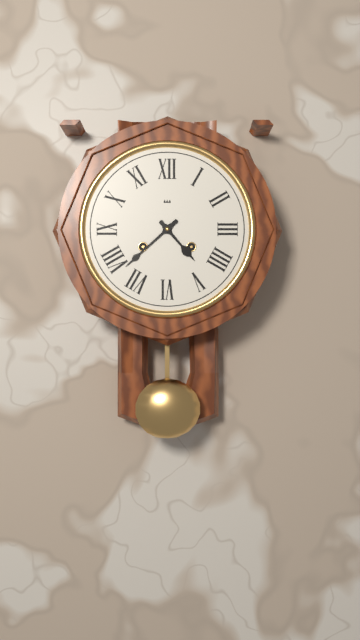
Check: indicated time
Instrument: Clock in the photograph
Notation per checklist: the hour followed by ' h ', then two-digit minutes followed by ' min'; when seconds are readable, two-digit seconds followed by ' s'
4 h 38 min
